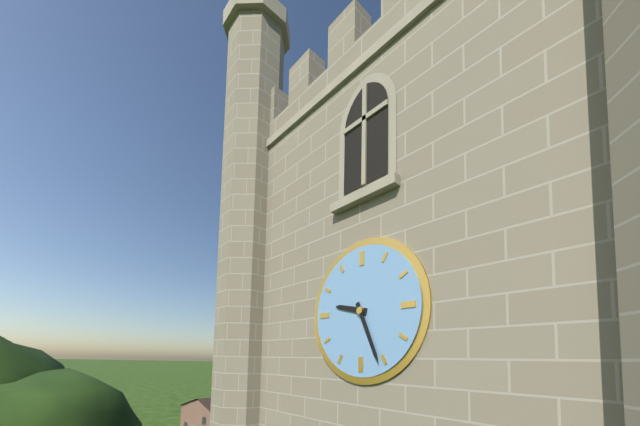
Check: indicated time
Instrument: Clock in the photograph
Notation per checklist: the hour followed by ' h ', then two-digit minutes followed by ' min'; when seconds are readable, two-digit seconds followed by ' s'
9 h 26 min
